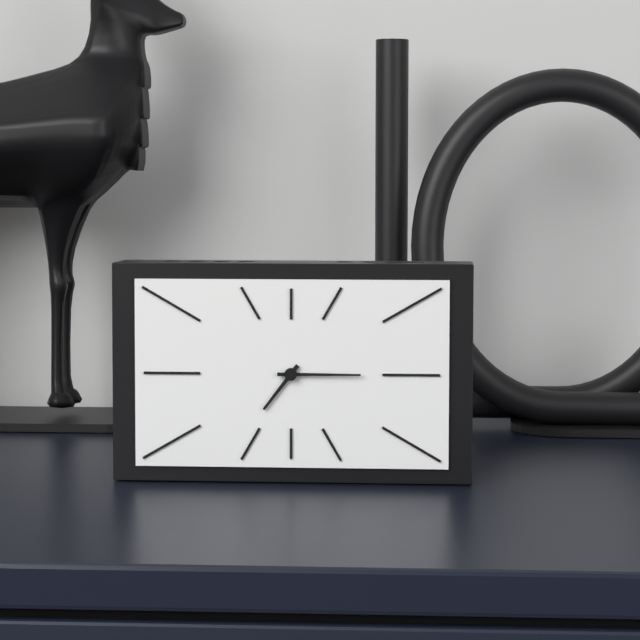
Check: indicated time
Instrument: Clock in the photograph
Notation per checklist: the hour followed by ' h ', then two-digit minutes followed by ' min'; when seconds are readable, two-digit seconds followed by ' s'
7 h 15 min
